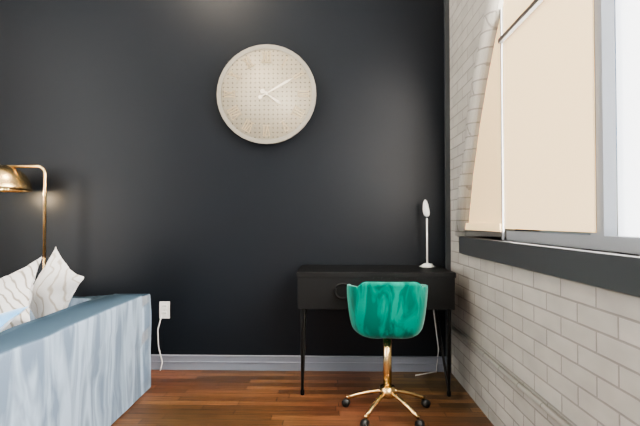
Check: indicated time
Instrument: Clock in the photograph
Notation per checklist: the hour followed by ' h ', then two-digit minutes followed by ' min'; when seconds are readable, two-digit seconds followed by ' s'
4 h 10 min
